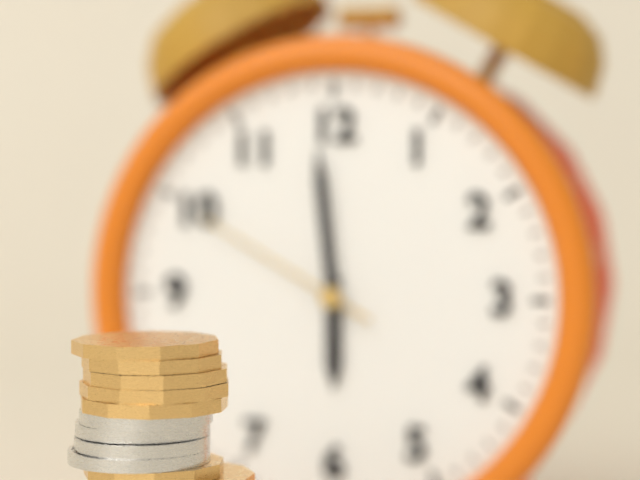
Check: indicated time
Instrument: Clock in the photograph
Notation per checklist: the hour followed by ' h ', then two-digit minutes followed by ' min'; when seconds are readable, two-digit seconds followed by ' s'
5 h 59 min 50 s
